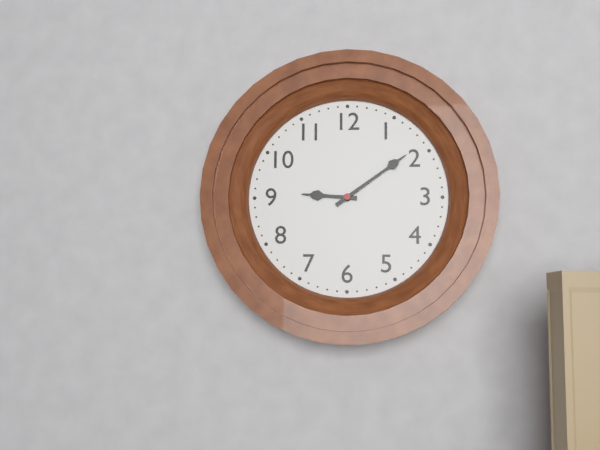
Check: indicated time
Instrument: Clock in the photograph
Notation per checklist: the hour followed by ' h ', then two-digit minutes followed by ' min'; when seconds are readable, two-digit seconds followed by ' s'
9 h 09 min
